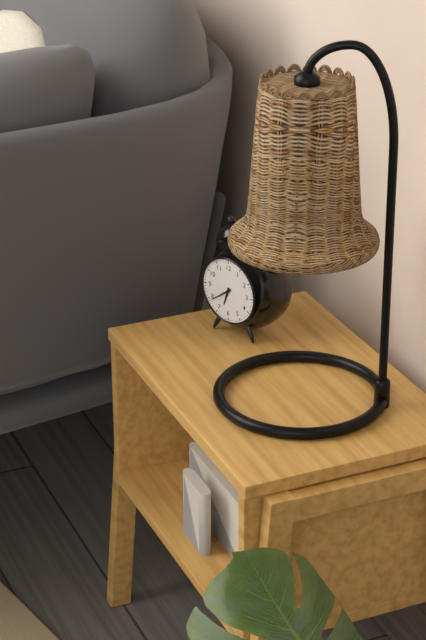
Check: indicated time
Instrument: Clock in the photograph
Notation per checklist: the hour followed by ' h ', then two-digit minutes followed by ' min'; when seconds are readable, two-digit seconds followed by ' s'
6 h 39 min
